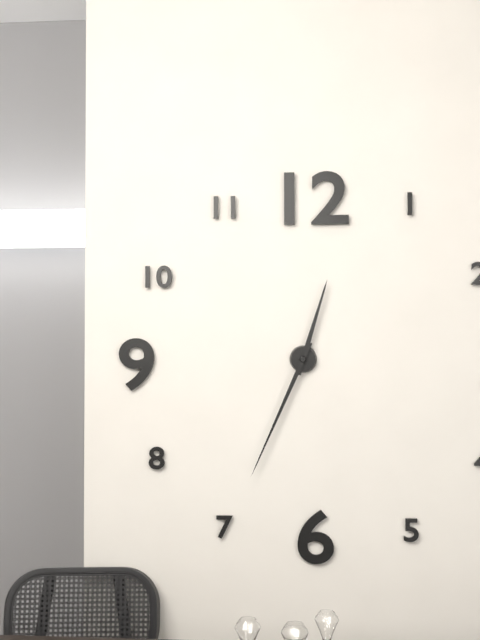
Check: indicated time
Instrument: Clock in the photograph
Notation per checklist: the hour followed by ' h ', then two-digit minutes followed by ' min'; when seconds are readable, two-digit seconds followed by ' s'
12 h 34 min
